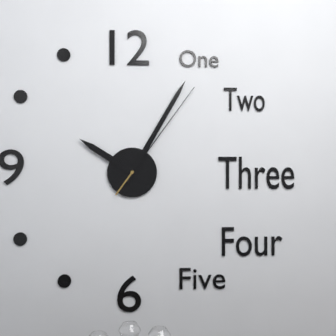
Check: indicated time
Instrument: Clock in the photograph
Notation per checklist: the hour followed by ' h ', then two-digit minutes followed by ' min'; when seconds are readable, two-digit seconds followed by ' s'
10 h 05 min 06 s
